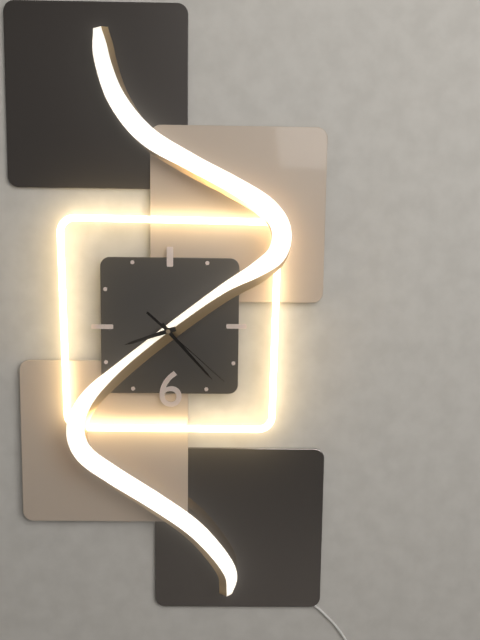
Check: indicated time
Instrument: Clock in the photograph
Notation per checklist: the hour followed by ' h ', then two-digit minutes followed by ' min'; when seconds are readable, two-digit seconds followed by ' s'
8 h 23 min 22 s
